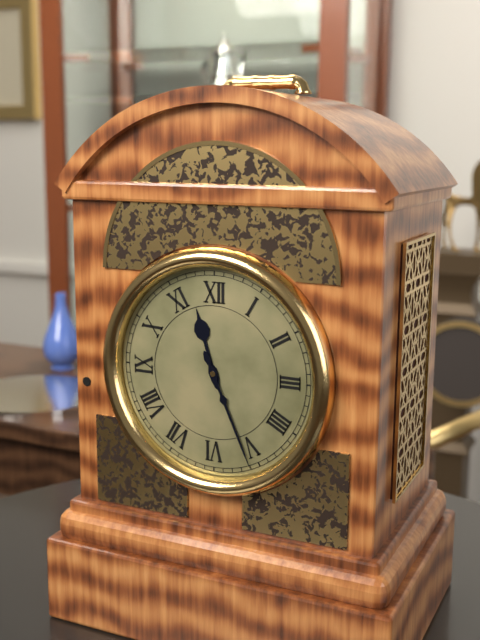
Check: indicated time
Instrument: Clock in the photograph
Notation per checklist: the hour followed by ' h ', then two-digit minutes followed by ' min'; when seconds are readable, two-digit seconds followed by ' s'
11 h 26 min
